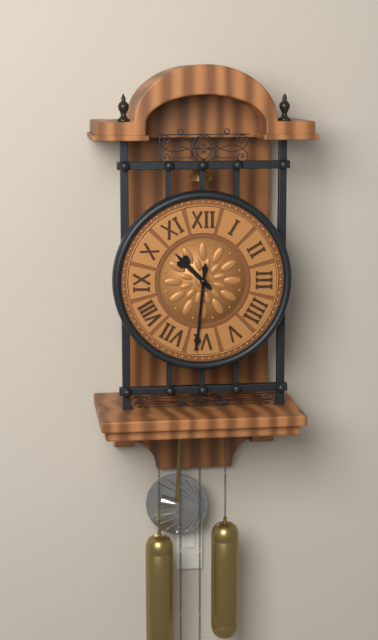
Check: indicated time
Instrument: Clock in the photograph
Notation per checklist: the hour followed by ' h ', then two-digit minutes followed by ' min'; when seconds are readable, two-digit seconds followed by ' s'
10 h 31 min
